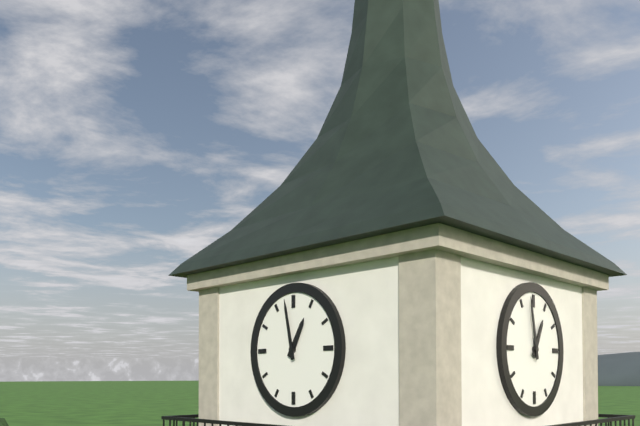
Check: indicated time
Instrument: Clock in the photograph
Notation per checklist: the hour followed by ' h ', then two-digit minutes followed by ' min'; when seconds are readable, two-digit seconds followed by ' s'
12 h 58 min
